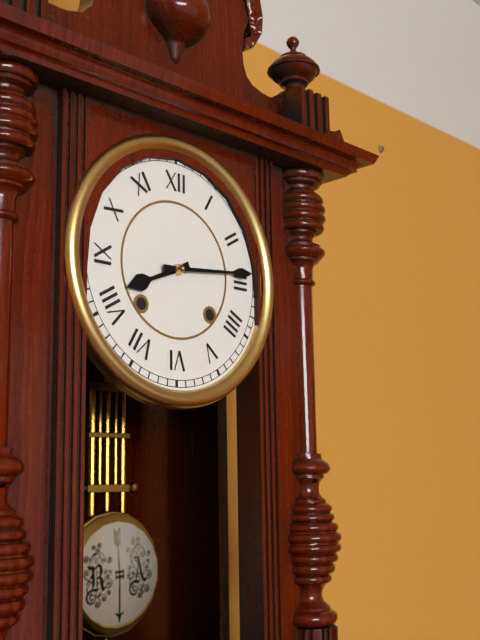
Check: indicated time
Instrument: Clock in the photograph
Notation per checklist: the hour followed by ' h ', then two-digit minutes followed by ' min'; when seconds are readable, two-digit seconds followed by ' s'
8 h 14 min
